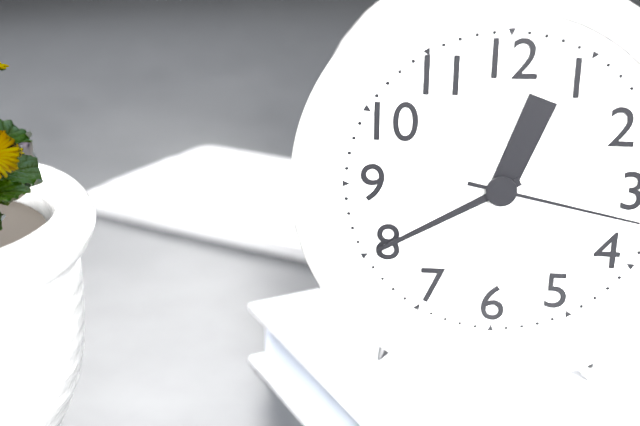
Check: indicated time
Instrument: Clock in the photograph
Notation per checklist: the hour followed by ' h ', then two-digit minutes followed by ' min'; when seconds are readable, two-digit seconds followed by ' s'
12 h 40 min 17 s
